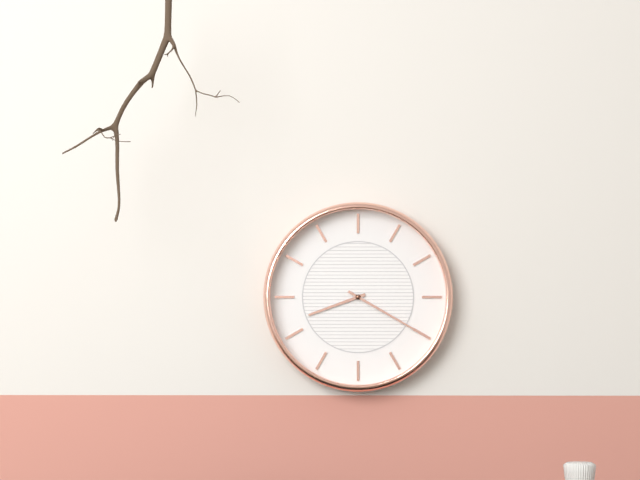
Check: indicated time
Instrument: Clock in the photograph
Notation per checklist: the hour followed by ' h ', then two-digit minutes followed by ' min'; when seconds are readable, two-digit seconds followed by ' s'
8 h 20 min
